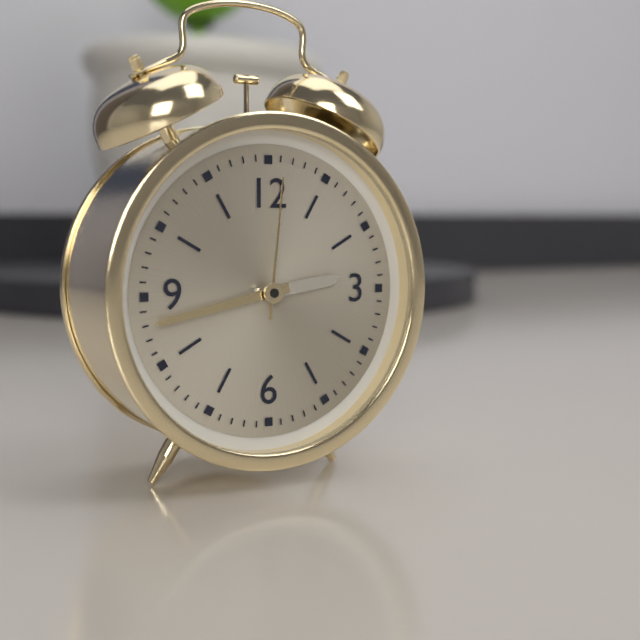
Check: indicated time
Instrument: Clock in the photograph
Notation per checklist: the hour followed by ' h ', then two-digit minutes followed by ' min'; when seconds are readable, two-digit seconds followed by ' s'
2 h 43 min 01 s
